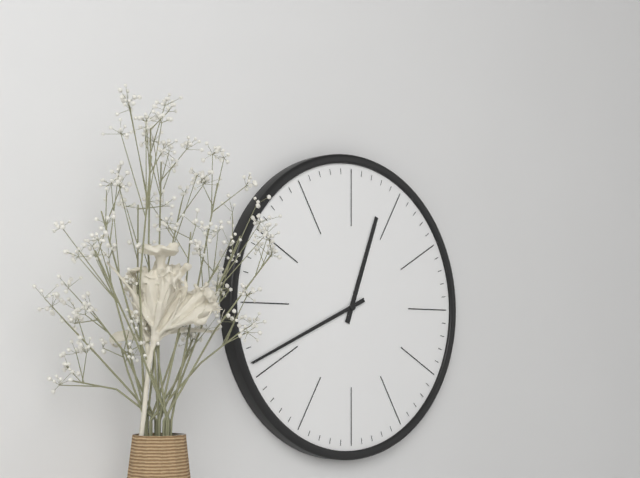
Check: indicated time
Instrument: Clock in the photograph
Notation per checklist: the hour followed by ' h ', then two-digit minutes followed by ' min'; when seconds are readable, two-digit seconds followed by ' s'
12 h 41 min
